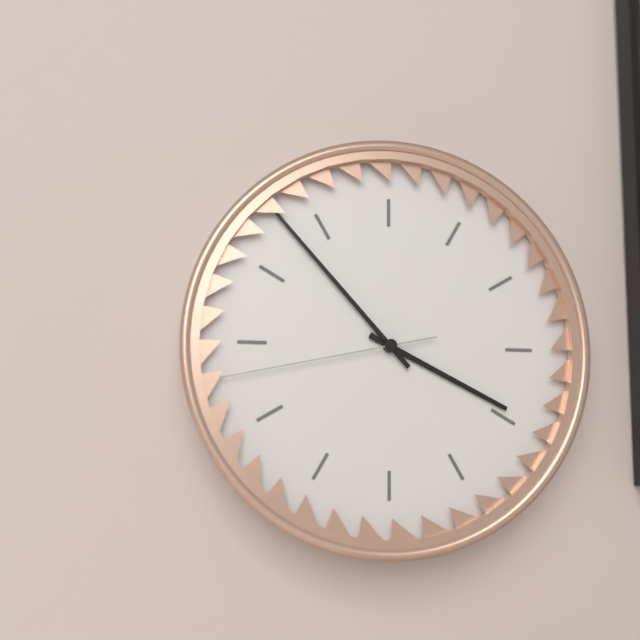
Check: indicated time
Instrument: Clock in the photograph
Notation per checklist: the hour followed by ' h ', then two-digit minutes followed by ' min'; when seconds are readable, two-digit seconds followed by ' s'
3 h 53 min 43 s
